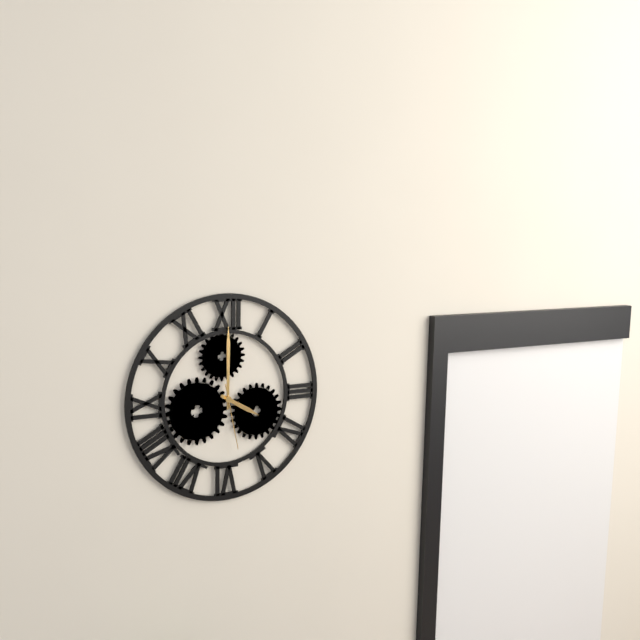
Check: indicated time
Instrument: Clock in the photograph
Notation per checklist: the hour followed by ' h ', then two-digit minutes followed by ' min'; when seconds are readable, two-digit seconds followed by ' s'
4 h 00 min 28 s
